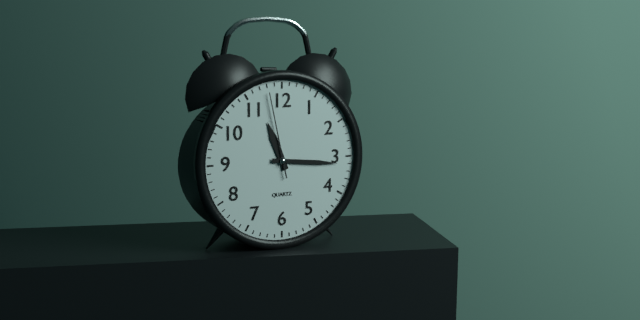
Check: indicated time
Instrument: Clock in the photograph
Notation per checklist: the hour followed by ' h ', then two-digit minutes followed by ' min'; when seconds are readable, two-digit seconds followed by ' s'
11 h 16 min 58 s
